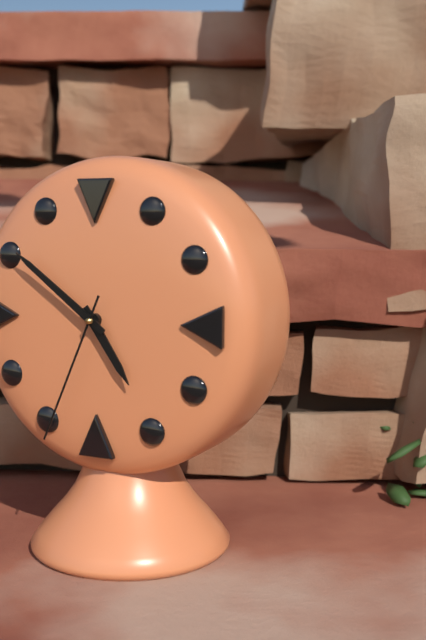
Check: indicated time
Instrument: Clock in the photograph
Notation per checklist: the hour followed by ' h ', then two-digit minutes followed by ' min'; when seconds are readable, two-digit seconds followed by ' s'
4 h 51 min 34 s
